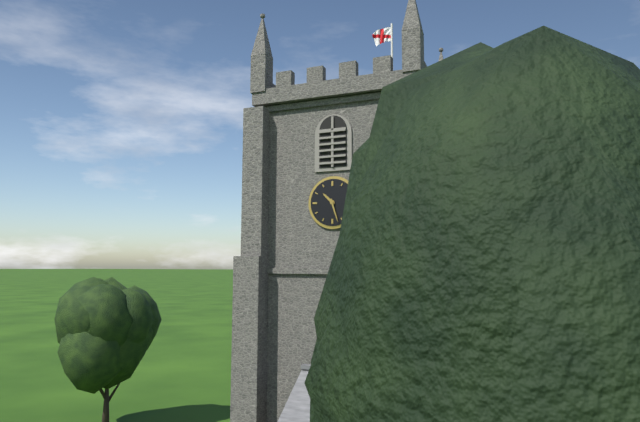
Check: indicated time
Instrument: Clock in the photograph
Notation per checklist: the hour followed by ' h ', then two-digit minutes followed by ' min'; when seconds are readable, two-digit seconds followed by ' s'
10 h 27 min
